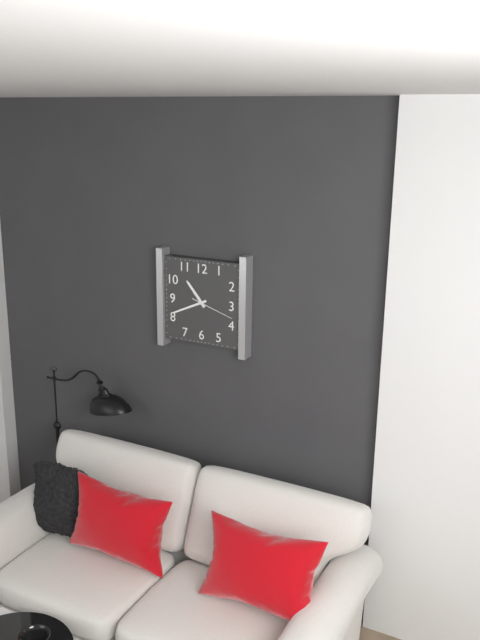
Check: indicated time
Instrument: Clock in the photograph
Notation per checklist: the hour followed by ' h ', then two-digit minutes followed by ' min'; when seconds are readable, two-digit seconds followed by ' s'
10 h 41 min
